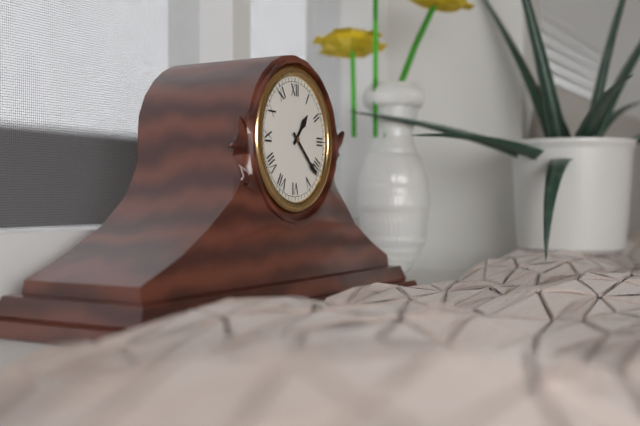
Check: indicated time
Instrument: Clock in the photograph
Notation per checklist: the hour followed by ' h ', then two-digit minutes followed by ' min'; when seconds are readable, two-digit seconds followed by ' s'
1 h 22 min
